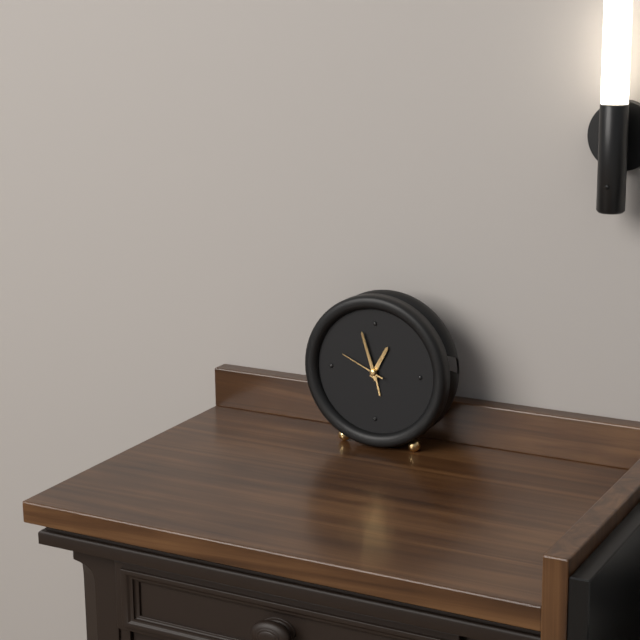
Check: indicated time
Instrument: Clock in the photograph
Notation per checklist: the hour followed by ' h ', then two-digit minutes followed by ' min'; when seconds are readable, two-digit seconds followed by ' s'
12 h 57 min
